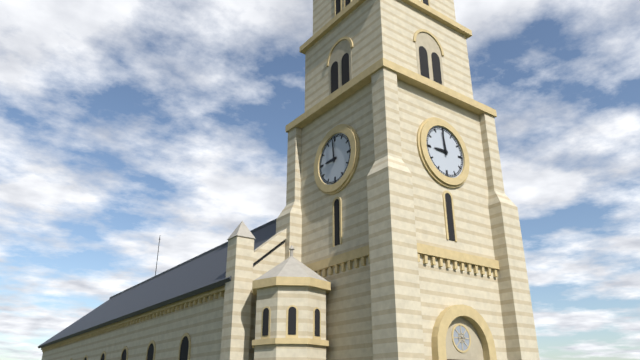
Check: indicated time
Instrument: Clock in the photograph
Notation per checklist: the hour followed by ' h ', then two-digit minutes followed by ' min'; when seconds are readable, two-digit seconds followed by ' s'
8 h 59 min
